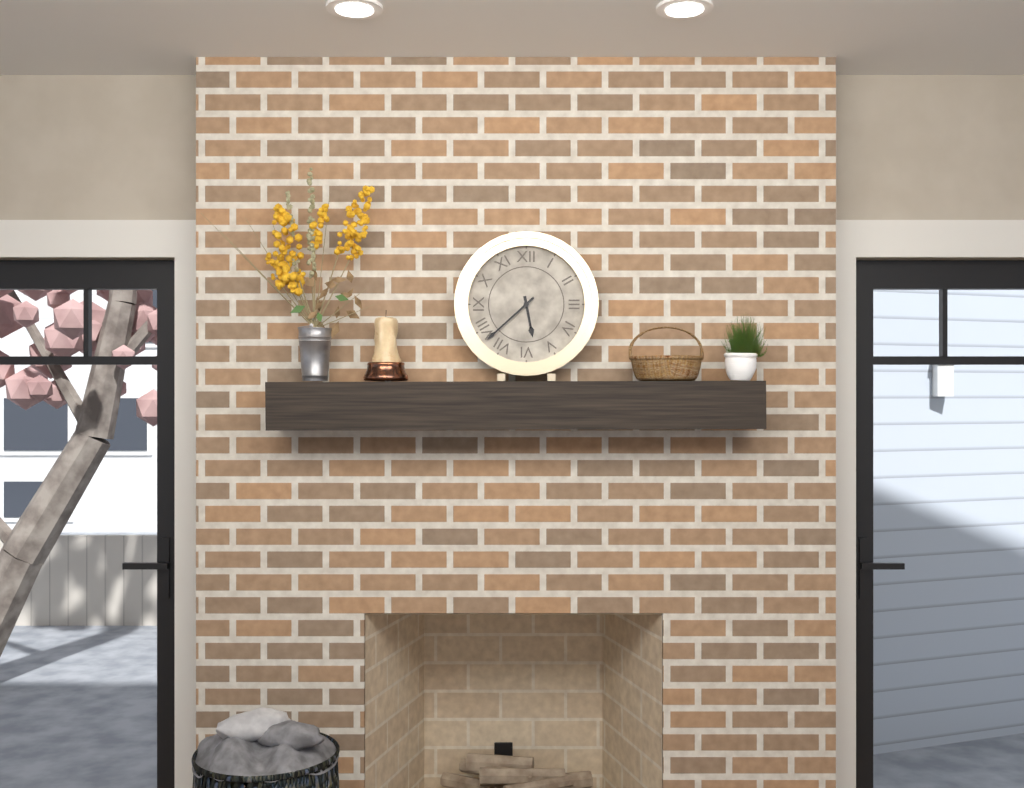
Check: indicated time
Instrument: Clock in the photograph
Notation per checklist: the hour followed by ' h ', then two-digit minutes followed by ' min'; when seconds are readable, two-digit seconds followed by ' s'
5 h 38 min
